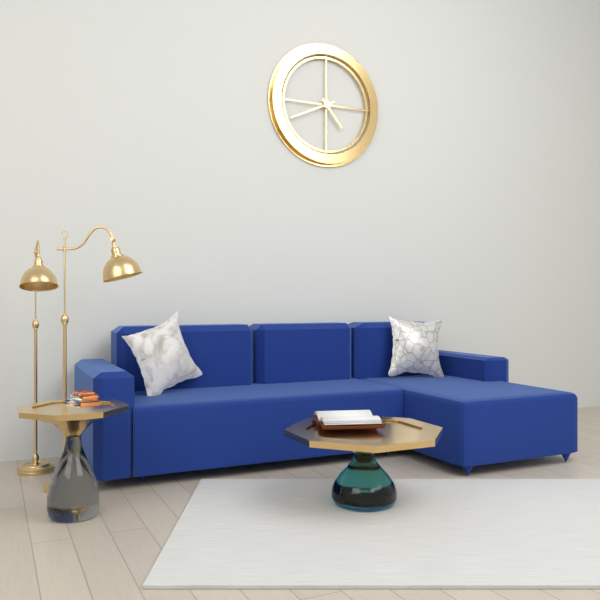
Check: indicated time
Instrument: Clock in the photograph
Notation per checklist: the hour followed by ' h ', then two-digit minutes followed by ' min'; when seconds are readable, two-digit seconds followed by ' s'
4 h 41 min
